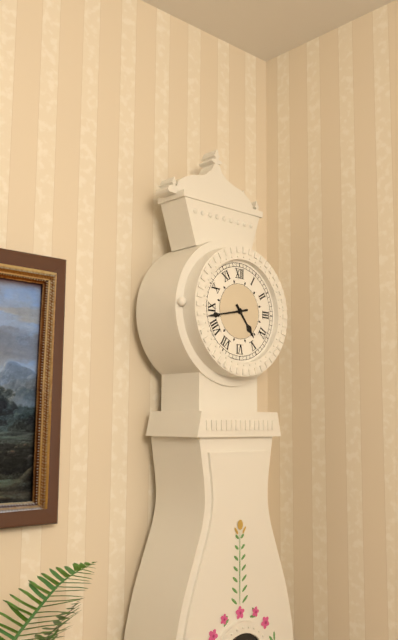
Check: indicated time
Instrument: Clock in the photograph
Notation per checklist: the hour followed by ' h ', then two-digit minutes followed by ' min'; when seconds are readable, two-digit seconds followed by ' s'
4 h 43 min
